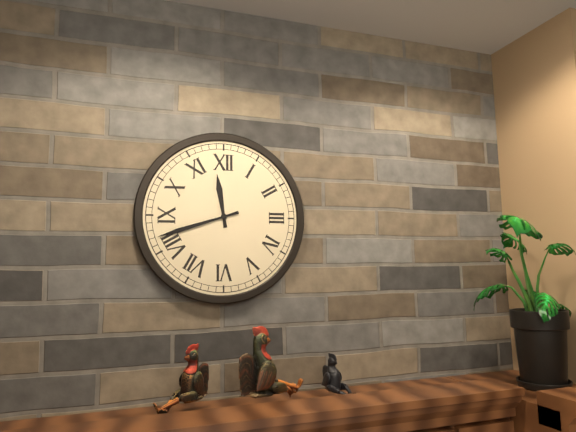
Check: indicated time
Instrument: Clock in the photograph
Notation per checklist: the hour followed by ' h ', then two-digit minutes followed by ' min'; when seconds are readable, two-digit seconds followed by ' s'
11 h 42 min
